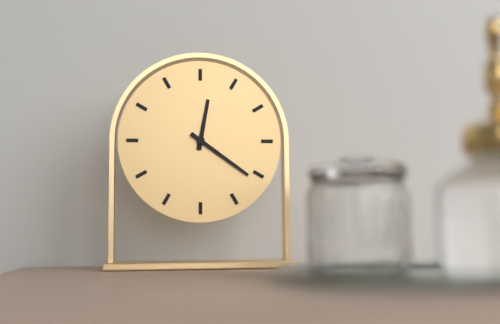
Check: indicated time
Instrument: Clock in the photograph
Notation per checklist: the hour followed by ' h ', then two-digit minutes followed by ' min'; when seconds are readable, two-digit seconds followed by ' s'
12 h 21 min
